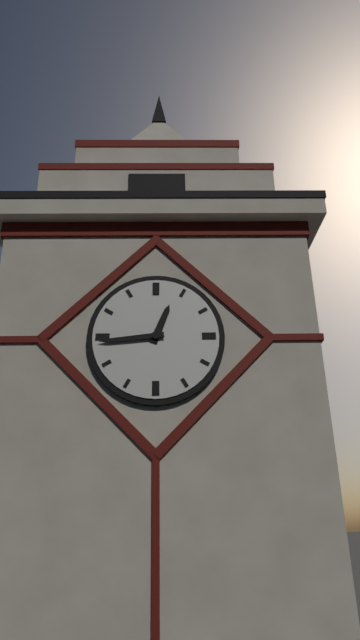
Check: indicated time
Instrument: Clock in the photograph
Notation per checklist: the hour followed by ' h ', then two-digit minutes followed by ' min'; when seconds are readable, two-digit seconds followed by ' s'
12 h 44 min
